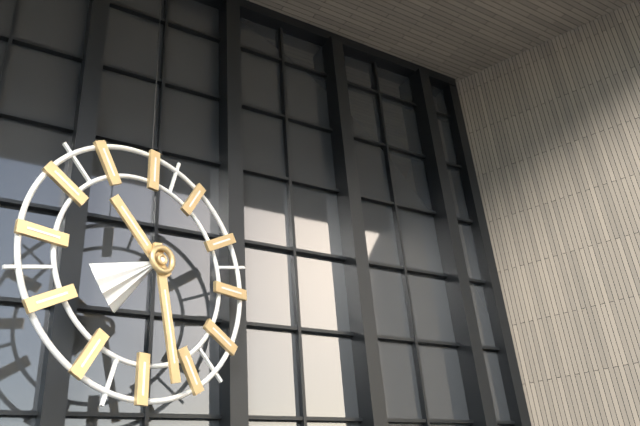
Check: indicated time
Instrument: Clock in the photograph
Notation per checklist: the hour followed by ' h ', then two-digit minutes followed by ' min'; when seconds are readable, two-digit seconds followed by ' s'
10 h 28 min
